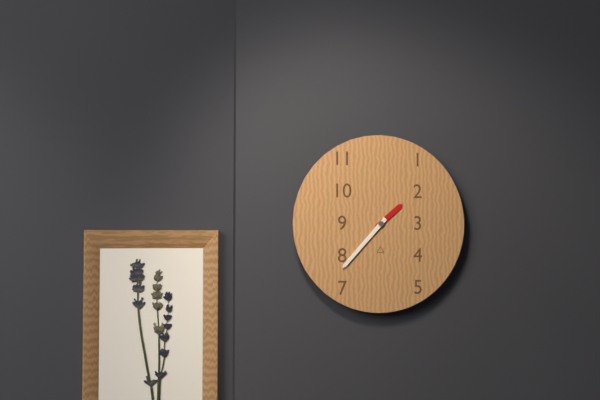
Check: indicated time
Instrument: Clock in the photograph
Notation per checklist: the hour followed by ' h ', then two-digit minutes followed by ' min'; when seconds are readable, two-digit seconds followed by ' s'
1 h 37 min
